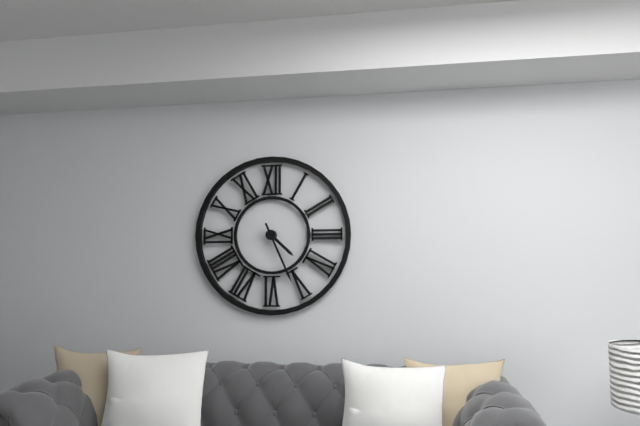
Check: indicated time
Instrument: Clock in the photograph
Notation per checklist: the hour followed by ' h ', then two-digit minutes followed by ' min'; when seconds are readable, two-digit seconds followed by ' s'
4 h 26 min
